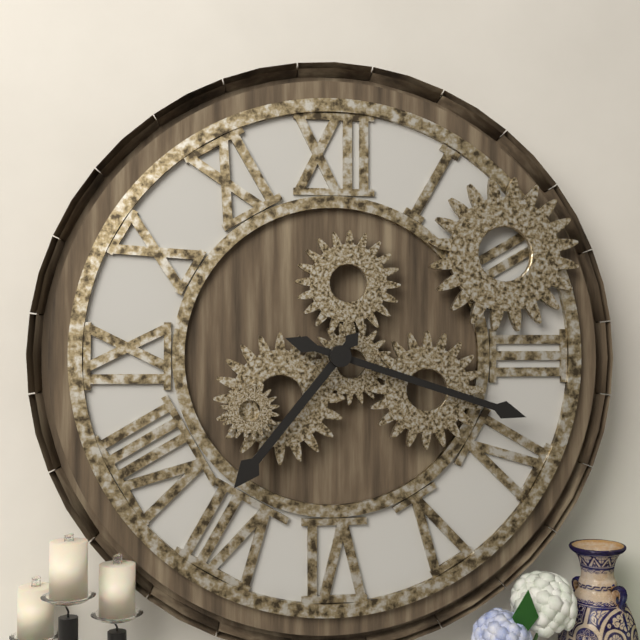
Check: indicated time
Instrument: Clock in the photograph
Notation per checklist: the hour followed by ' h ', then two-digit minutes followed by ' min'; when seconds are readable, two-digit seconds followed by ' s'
7 h 18 min
